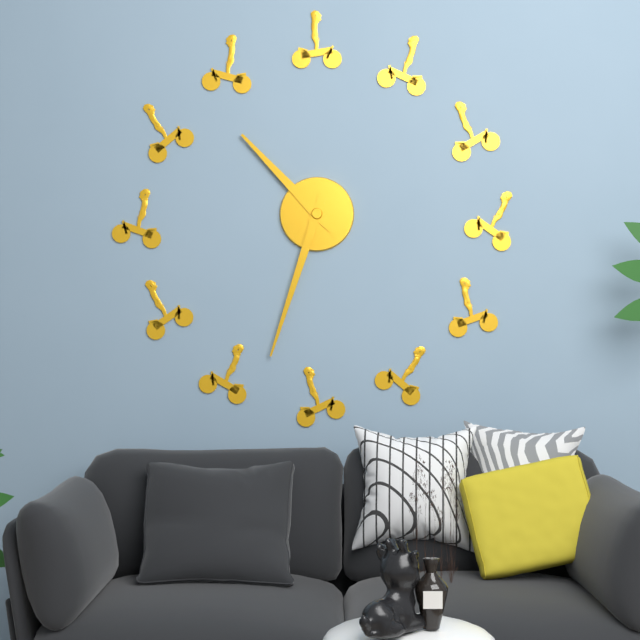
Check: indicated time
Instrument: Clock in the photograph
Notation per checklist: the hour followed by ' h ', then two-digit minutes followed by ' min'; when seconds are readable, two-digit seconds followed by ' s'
10 h 33 min
